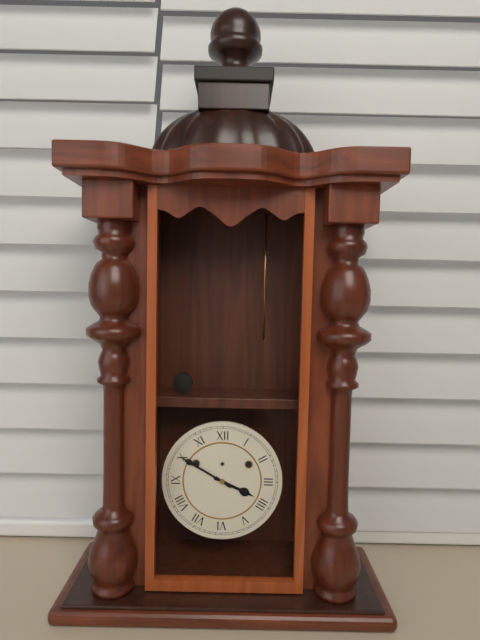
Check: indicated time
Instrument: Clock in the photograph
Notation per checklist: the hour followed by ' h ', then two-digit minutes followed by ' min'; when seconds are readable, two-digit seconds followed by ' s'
3 h 50 min
